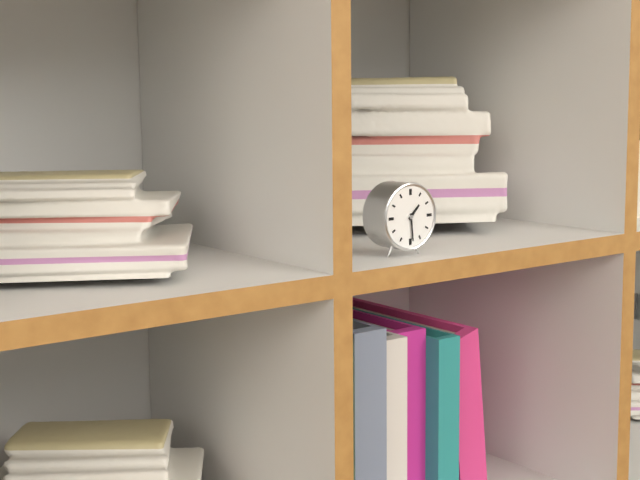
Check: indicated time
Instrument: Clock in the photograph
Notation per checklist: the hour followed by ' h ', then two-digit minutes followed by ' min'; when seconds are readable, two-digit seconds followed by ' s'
1 h 29 min
